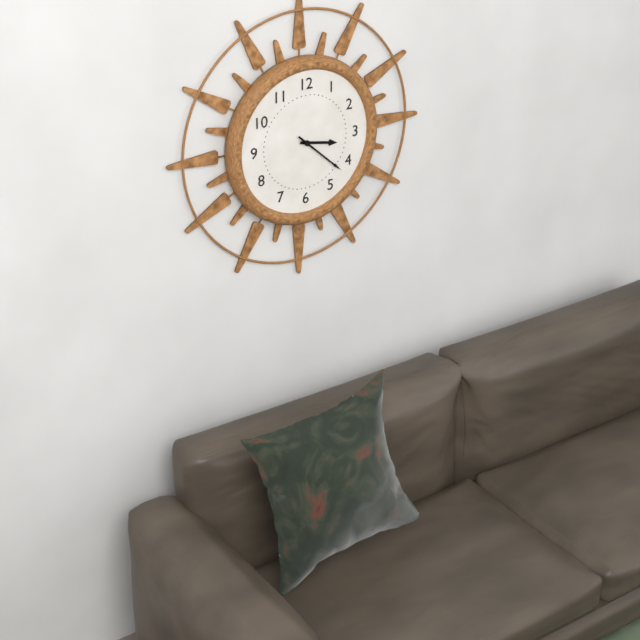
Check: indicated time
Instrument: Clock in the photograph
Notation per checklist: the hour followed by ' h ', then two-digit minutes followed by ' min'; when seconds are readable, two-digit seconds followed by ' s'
3 h 22 min
